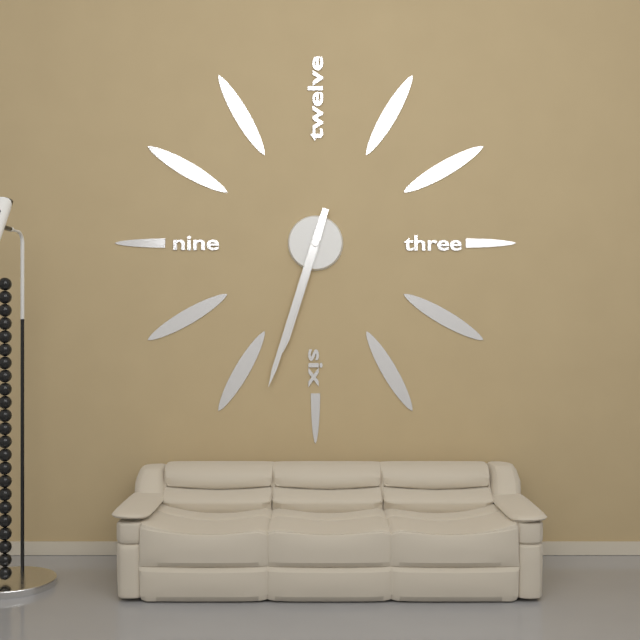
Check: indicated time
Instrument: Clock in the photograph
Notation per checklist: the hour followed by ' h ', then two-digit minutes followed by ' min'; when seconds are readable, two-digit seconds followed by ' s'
6 h 33 min
